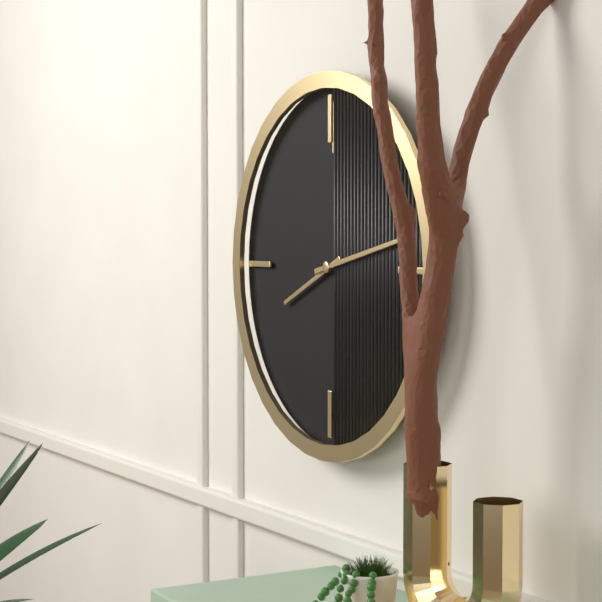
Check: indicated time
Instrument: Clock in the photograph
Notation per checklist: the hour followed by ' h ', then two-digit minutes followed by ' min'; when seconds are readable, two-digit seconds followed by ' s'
8 h 13 min
